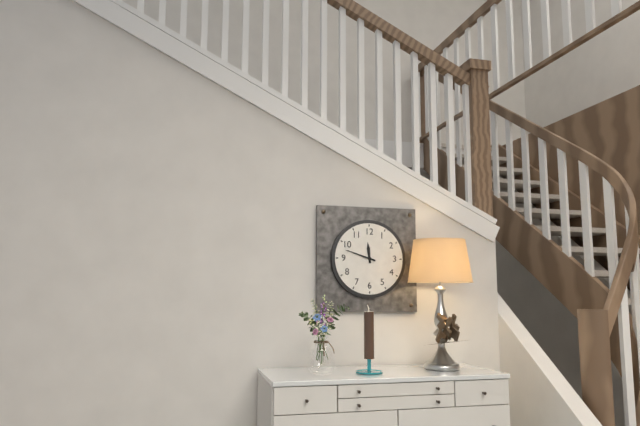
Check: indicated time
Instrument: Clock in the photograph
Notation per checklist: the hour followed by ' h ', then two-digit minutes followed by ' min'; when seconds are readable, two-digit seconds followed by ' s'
11 h 48 min
